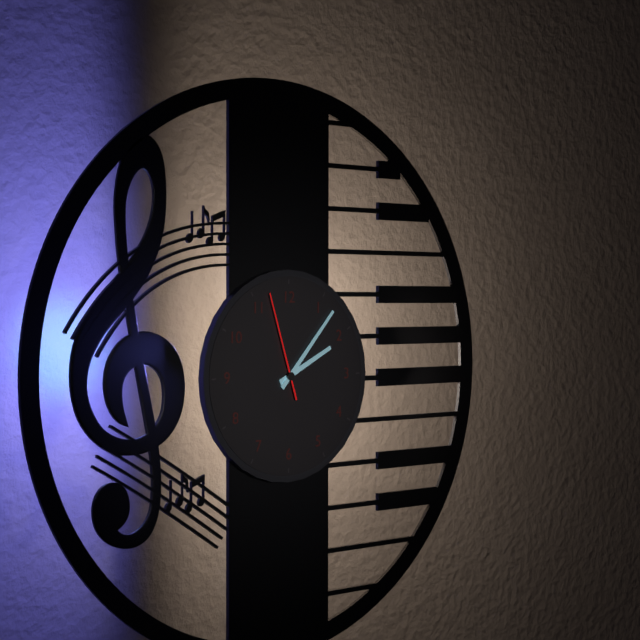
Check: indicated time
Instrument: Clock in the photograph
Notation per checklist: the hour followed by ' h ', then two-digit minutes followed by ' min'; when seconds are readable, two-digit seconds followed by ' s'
2 h 07 min 57 s
